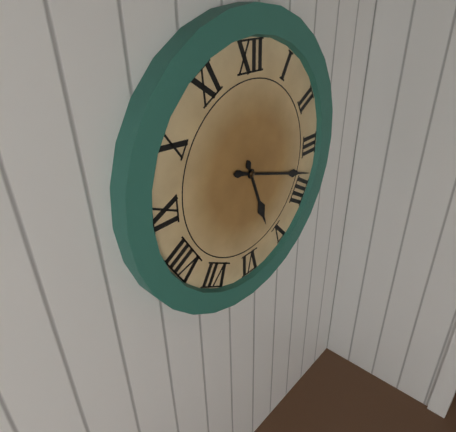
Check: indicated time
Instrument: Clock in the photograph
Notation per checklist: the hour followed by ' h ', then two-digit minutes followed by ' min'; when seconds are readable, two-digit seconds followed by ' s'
5 h 18 min
